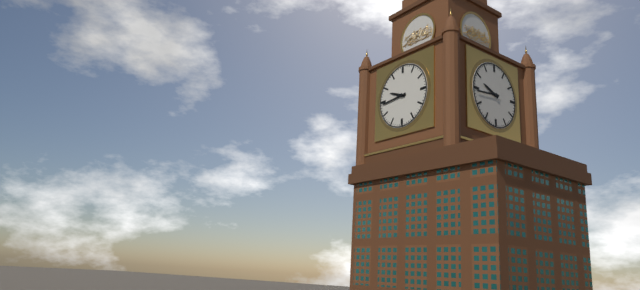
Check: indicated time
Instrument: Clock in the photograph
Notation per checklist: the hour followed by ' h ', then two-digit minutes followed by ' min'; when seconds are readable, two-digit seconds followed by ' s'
9 h 44 min
